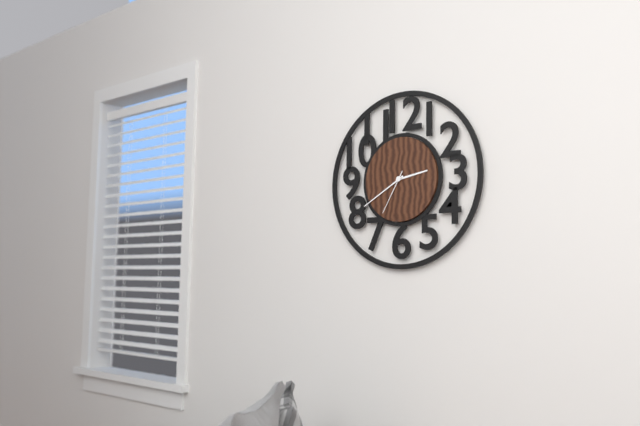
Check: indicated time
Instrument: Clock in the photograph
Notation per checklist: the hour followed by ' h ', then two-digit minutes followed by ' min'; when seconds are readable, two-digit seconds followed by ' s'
2 h 40 min
